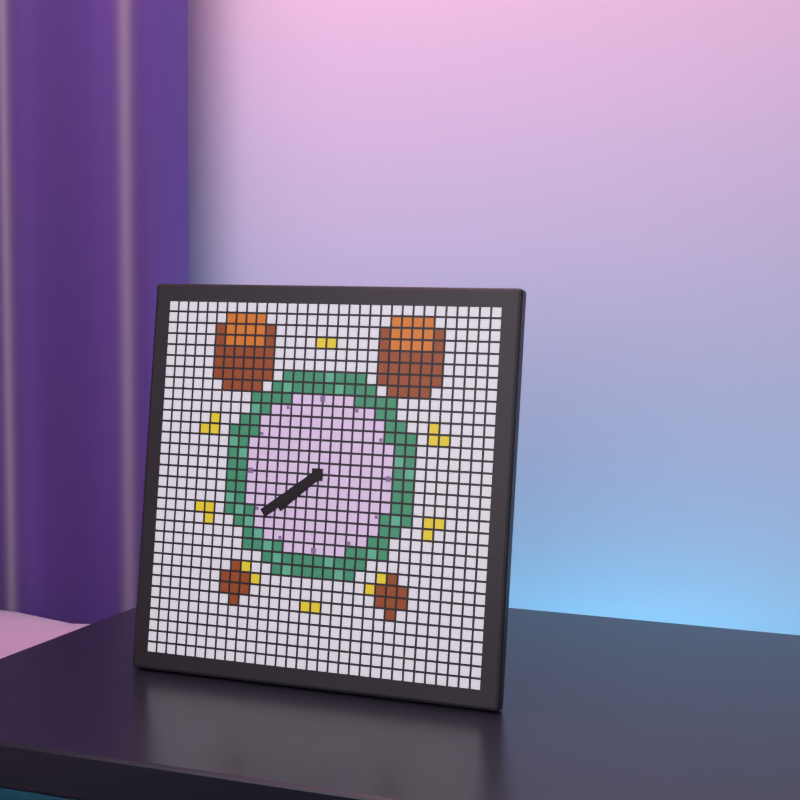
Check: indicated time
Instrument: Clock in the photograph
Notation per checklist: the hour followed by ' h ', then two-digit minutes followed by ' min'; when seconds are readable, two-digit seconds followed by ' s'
7 h 39 min
